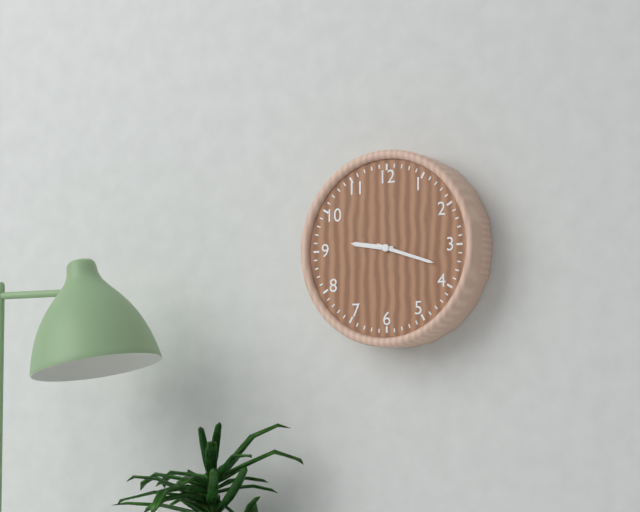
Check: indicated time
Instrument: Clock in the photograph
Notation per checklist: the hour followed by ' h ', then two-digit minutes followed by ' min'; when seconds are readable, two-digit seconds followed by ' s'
9 h 18 min
